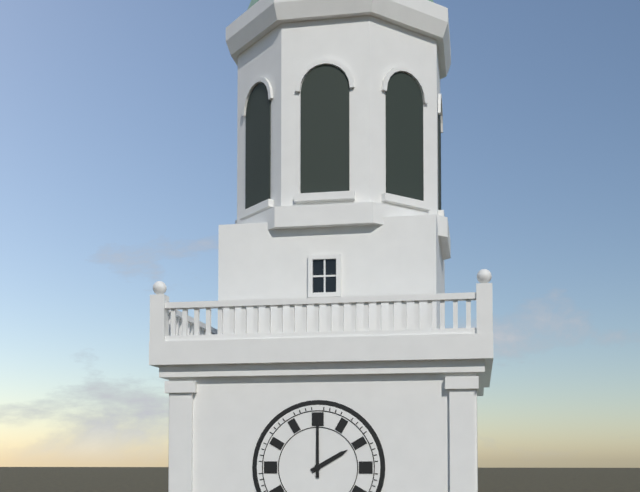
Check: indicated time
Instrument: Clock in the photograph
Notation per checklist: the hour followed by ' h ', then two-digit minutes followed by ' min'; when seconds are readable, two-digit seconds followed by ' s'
2 h 00 min
